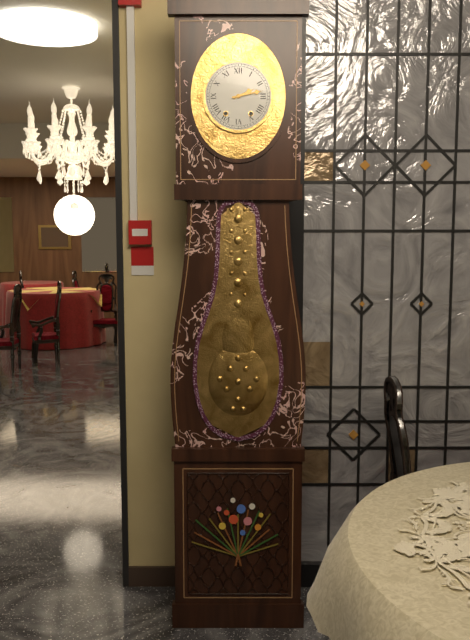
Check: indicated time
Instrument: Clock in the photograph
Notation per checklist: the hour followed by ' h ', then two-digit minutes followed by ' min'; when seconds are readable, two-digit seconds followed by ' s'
2 h 13 min
